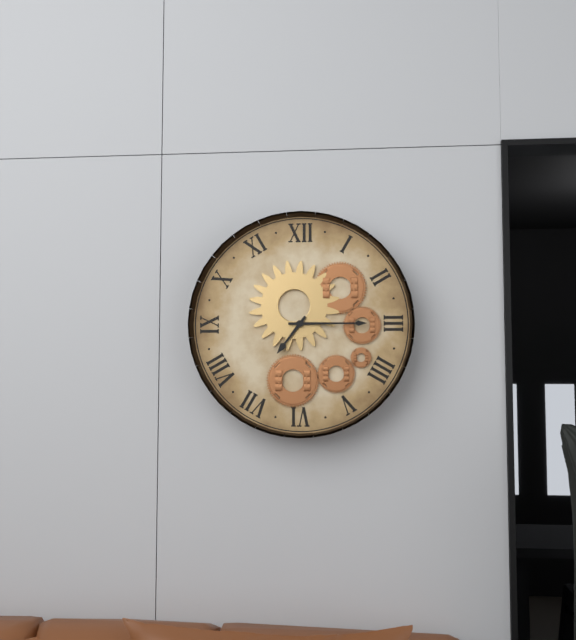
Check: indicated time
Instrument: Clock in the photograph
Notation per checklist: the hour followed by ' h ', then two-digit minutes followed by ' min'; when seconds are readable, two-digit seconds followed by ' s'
7 h 15 min
